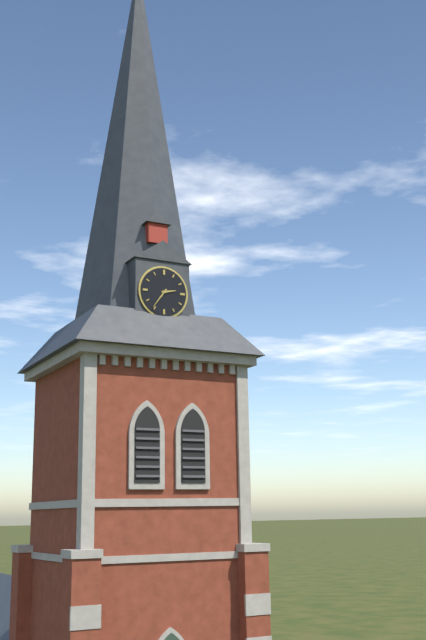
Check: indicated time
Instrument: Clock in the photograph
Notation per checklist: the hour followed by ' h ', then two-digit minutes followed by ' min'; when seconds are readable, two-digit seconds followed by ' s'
2 h 36 min
